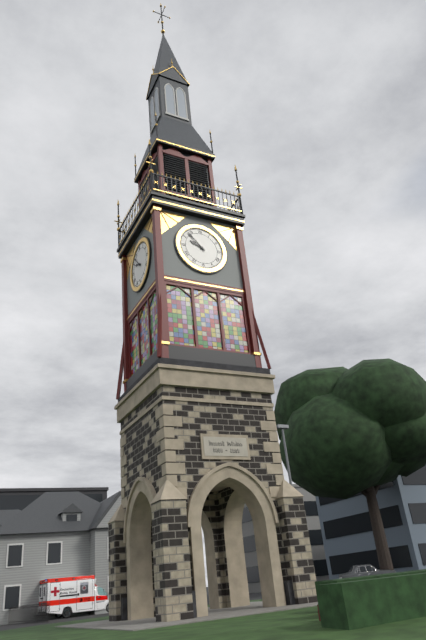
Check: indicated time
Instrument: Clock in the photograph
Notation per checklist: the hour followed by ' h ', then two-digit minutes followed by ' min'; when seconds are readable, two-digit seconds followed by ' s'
9 h 53 min
